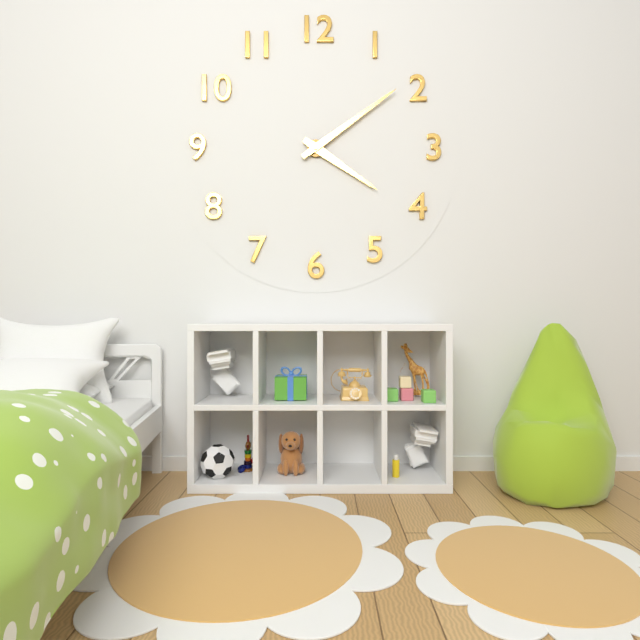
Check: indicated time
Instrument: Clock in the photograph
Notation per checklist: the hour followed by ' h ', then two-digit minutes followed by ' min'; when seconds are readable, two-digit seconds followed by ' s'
4 h 09 min
